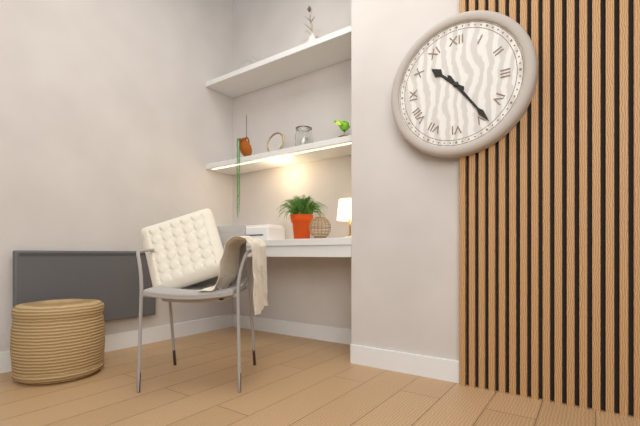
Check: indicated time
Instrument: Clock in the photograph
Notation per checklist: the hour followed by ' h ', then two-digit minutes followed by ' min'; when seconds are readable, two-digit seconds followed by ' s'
10 h 24 min
